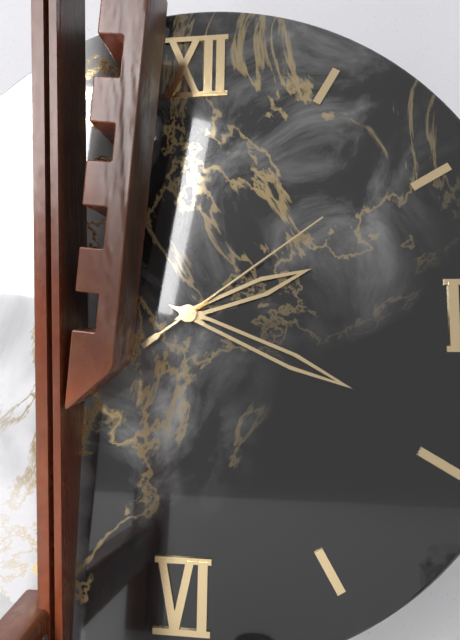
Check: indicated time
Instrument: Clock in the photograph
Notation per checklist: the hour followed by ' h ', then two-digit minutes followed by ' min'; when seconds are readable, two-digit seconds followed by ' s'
2 h 19 min 09 s
